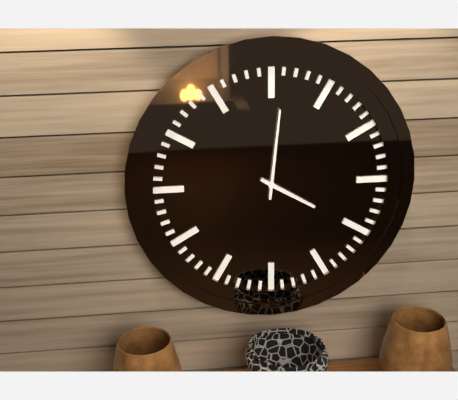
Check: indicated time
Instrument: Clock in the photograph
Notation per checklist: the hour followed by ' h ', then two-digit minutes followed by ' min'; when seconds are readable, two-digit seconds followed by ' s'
4 h 01 min
